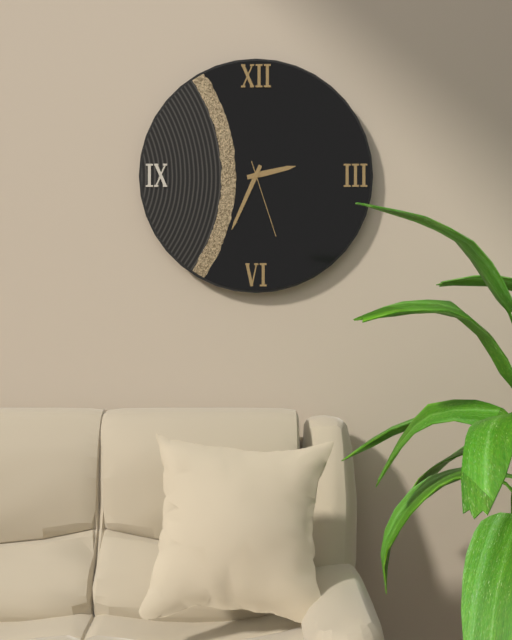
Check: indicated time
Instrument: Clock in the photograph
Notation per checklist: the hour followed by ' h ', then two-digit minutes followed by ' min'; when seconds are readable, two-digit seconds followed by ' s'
2 h 34 min 27 s
